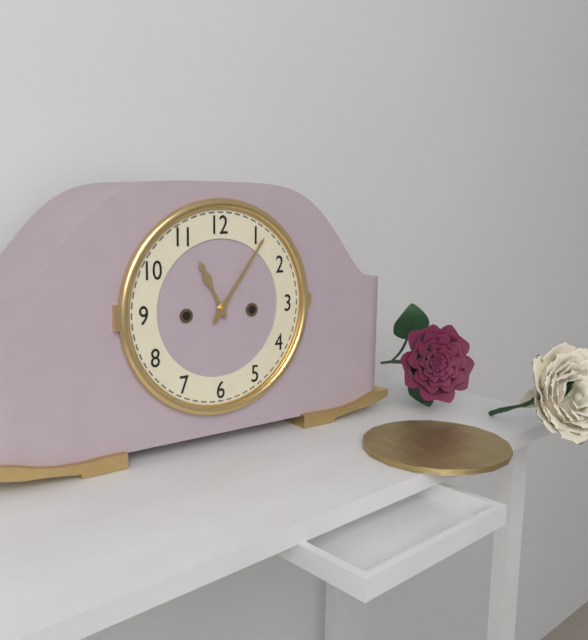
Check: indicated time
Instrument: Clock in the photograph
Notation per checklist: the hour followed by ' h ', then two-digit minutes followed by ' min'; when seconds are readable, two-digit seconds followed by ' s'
11 h 06 min
